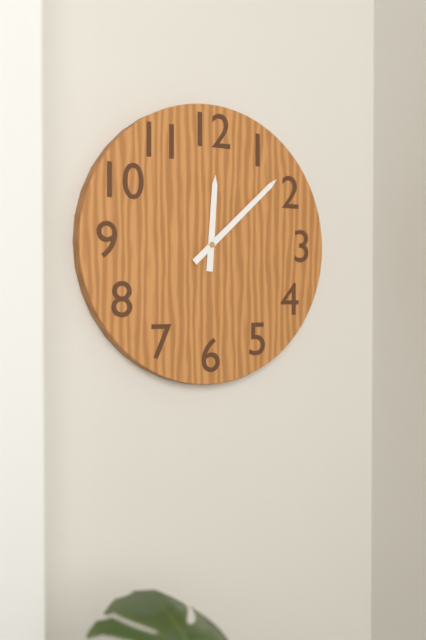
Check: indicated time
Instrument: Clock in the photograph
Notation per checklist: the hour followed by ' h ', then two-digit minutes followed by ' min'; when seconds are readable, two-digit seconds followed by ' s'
12 h 08 min
